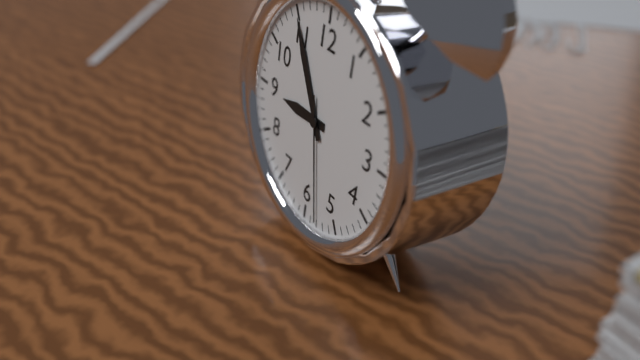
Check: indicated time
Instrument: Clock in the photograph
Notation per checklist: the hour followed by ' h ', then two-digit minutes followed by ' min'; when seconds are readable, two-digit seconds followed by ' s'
8 h 55 min 28 s
